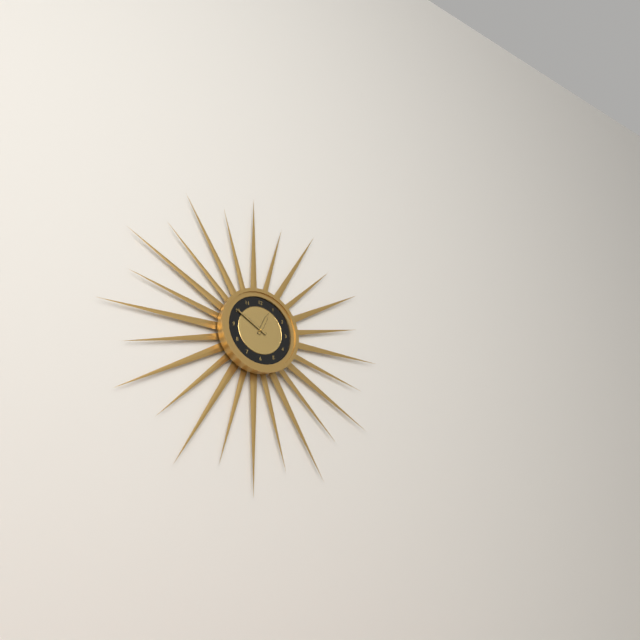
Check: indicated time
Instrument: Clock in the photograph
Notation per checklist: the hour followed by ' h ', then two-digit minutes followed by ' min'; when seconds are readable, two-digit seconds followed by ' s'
12 h 50 min
